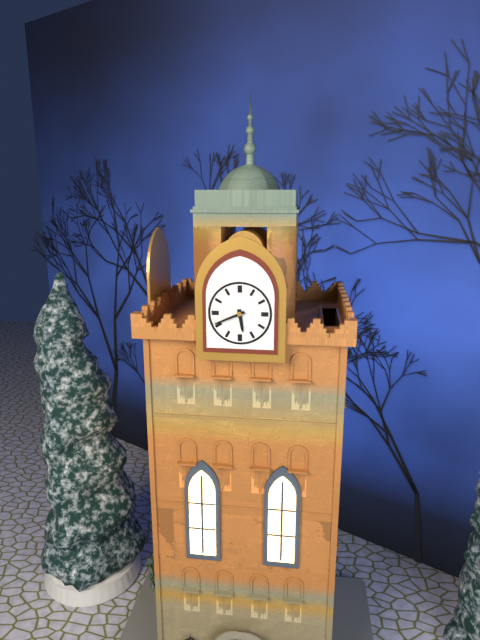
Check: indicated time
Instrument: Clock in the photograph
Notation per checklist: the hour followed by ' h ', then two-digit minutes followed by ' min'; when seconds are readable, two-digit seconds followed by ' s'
5 h 41 min
